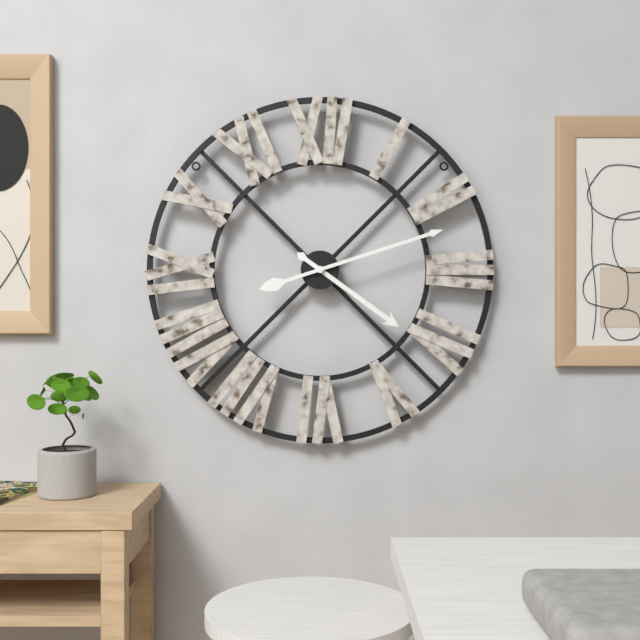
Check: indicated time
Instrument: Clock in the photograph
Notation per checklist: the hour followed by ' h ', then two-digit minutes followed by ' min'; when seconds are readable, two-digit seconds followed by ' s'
4 h 12 min
